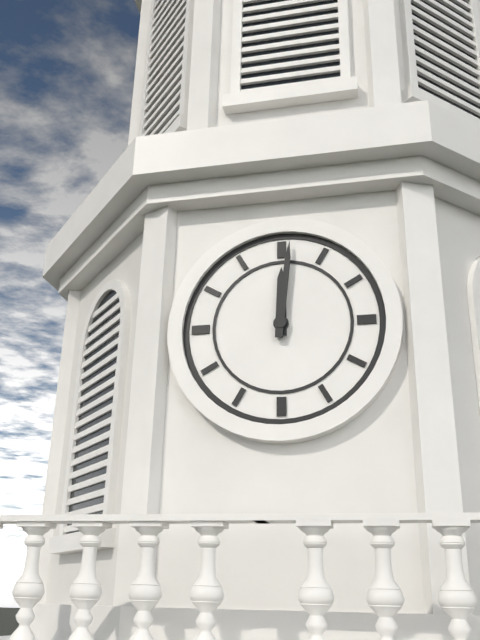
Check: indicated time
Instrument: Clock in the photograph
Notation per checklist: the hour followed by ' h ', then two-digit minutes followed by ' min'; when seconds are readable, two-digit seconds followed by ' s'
12 h 01 min
